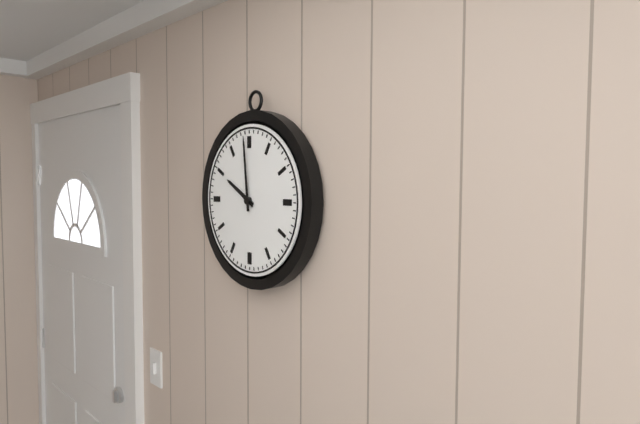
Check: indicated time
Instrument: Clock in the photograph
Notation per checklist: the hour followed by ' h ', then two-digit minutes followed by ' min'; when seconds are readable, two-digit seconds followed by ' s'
9 h 59 min
